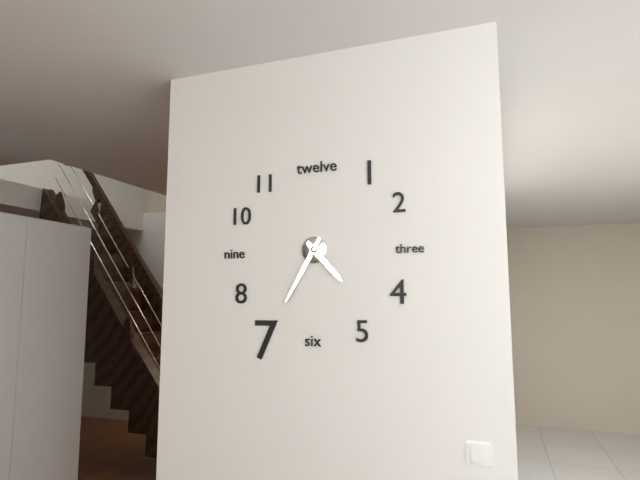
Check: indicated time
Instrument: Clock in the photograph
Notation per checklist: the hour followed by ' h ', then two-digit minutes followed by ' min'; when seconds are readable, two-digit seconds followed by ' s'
4 h 35 min
